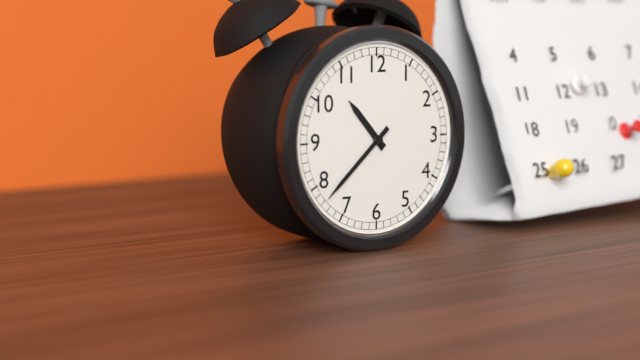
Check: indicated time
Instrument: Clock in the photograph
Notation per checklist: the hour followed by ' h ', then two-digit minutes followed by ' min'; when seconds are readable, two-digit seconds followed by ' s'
10 h 38 min
